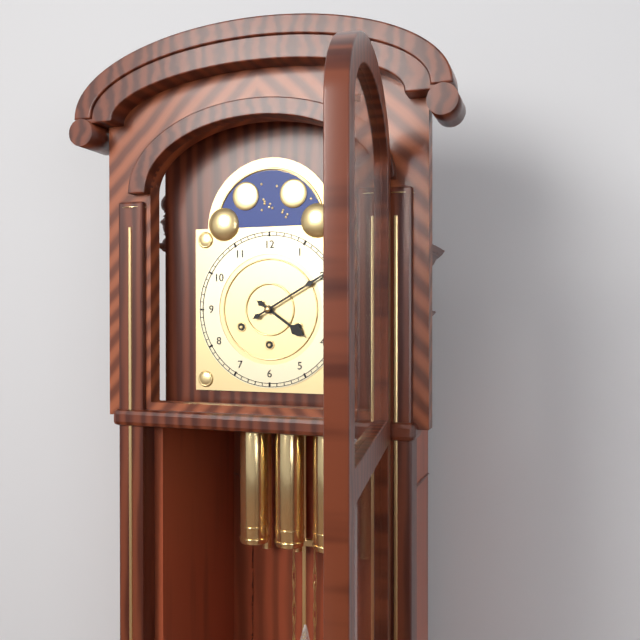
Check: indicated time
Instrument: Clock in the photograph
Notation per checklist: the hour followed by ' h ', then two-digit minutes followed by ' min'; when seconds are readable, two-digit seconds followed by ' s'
4 h 10 min
